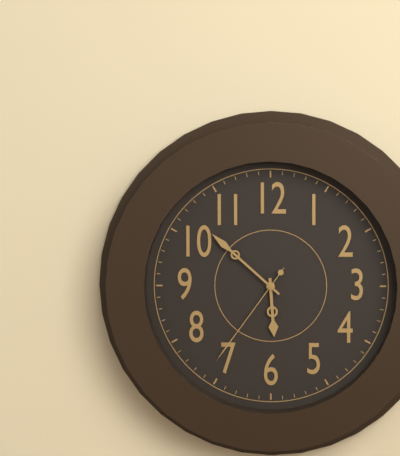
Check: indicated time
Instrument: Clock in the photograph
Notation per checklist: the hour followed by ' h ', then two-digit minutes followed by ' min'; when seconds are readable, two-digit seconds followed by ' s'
5 h 52 min 36 s
